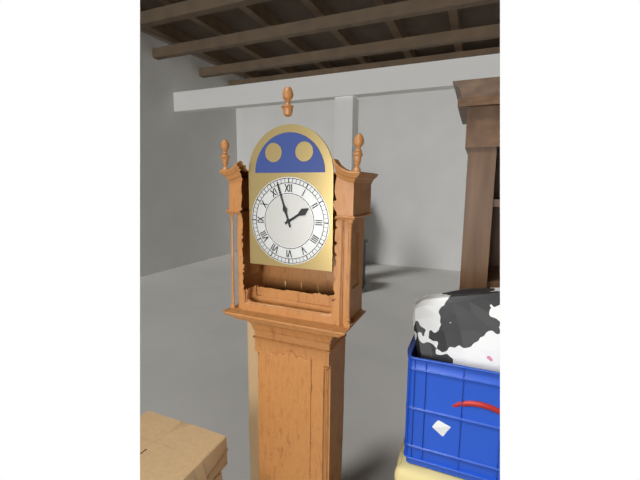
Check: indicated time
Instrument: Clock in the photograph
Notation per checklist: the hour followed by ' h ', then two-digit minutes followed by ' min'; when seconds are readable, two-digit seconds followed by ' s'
1 h 57 min
